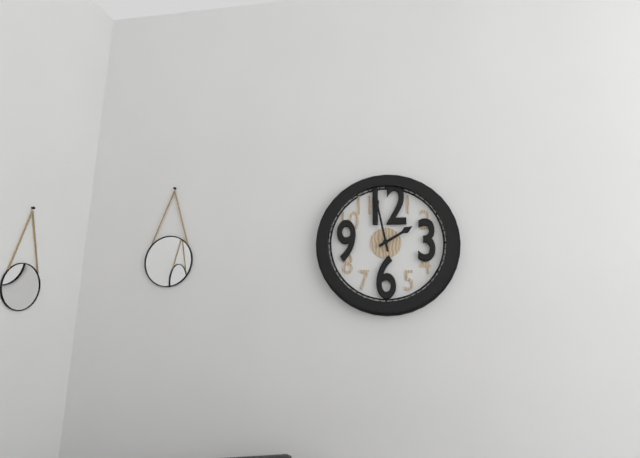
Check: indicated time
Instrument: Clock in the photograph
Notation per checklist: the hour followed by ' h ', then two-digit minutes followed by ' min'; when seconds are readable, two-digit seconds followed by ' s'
1 h 58 min
